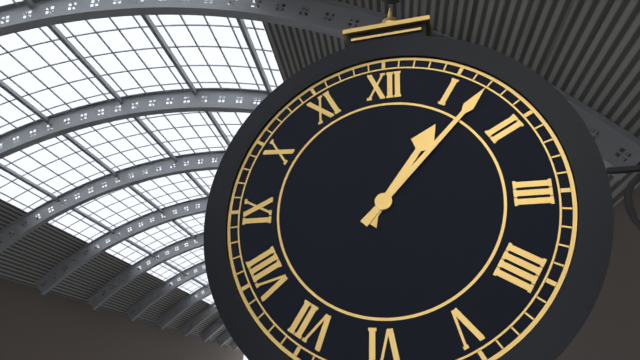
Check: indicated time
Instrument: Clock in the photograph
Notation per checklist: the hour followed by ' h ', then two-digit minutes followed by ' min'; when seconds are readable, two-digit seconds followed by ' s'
1 h 07 min
